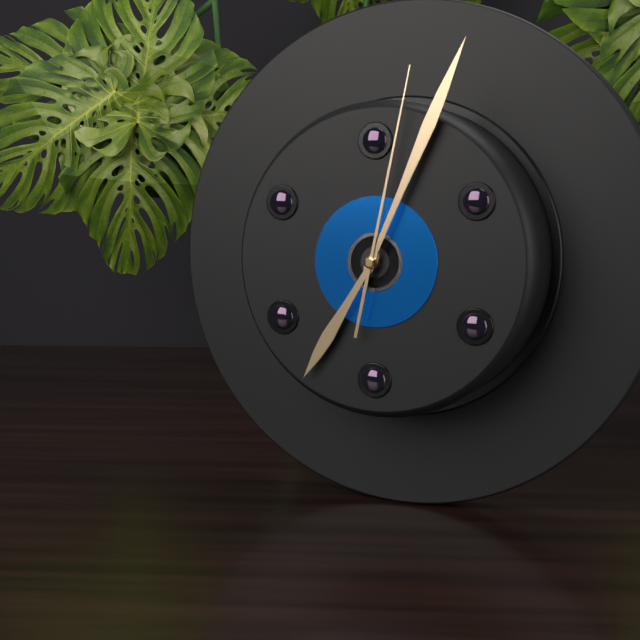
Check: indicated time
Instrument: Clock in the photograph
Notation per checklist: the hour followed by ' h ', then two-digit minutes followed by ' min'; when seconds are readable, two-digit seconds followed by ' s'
7 h 04 min 02 s
